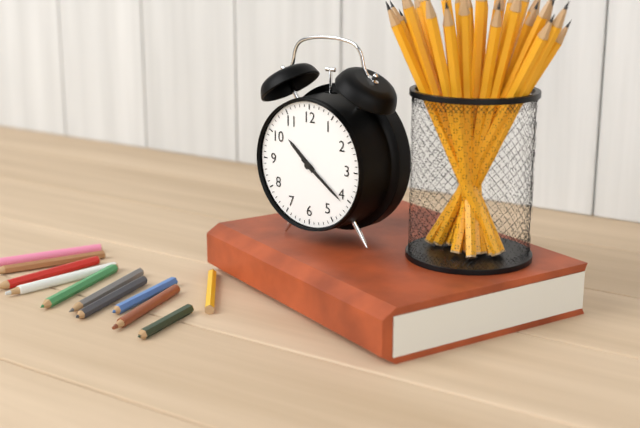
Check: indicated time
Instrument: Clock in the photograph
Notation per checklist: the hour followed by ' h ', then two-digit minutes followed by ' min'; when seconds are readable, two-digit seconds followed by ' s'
10 h 21 min
